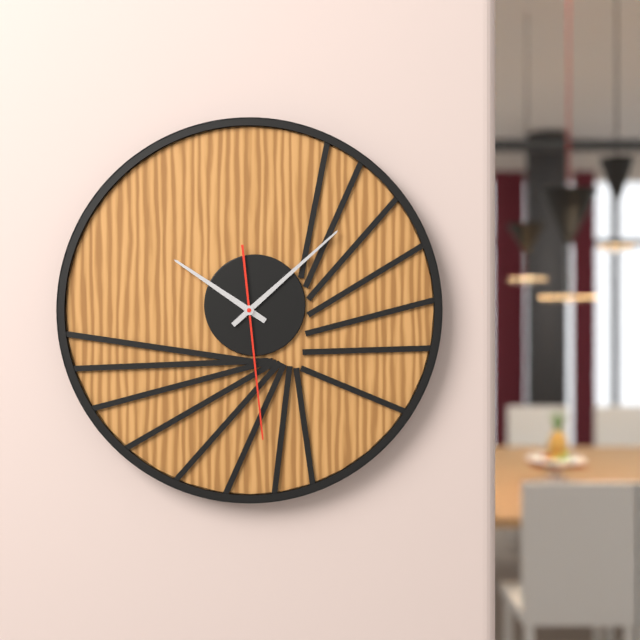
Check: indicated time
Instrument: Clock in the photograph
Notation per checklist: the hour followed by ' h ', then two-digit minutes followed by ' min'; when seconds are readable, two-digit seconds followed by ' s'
10 h 08 min 29 s
